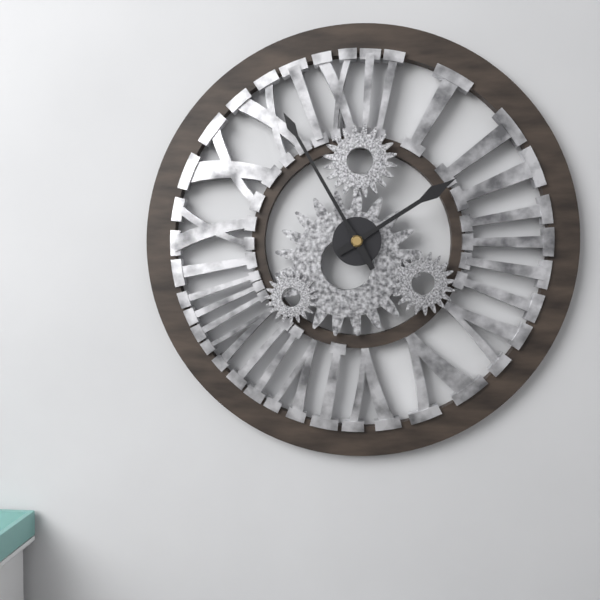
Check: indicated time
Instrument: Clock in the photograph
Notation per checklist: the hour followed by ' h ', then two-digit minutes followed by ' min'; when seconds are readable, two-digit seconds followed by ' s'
1 h 55 min
